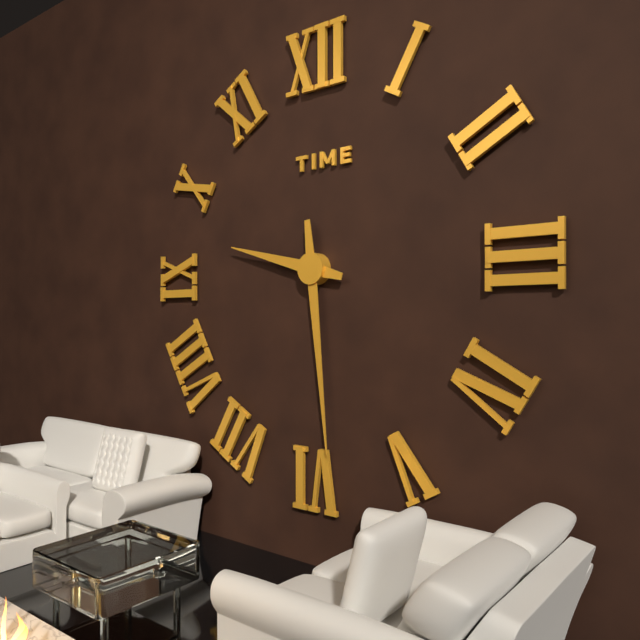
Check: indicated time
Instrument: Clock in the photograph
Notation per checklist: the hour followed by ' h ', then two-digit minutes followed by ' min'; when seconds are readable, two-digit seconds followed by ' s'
9 h 29 min
